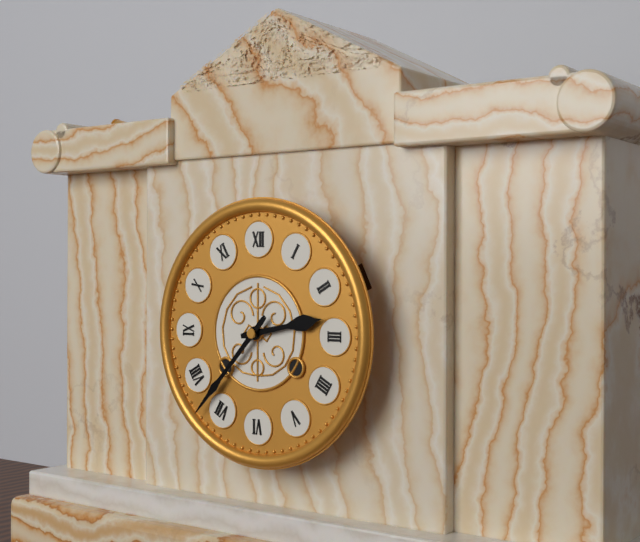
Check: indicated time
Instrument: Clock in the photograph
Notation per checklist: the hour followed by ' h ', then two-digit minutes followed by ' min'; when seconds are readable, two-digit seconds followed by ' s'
2 h 37 min
